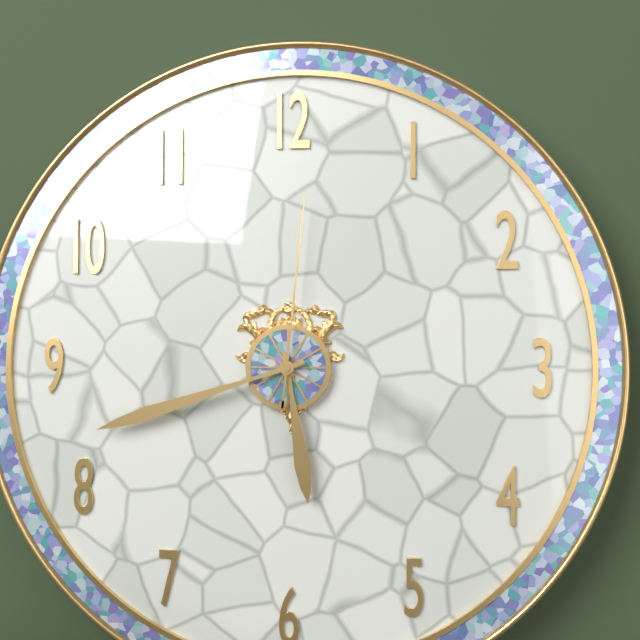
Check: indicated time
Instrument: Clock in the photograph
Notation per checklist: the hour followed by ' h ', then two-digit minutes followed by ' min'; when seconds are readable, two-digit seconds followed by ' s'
5 h 42 min 01 s
